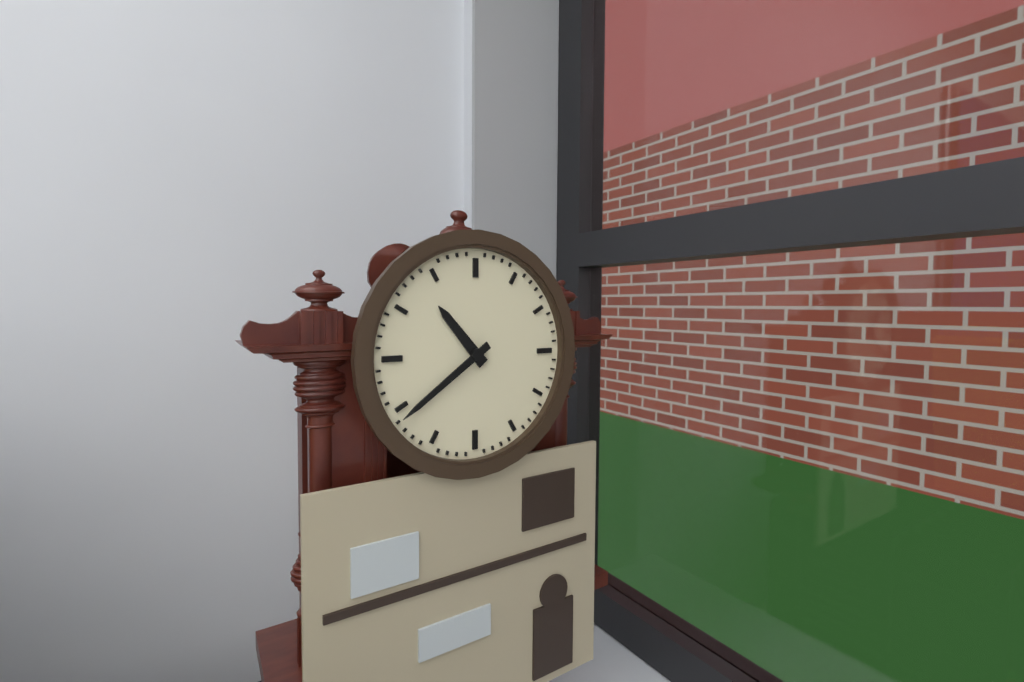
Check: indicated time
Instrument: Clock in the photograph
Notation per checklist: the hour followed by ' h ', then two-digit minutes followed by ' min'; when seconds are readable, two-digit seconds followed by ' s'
10 h 39 min
